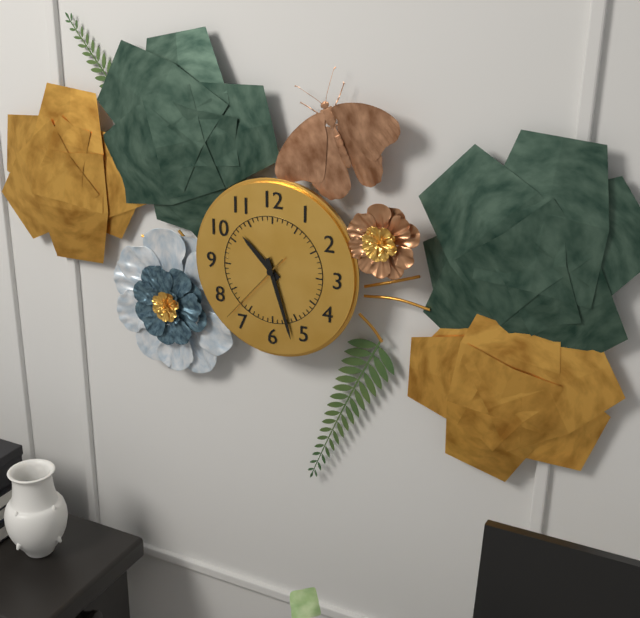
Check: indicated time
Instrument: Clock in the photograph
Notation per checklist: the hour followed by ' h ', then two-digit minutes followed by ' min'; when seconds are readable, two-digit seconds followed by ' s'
10 h 27 min 37 s
